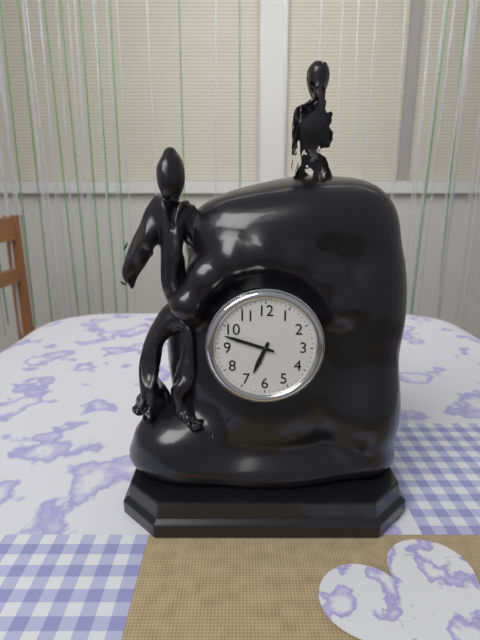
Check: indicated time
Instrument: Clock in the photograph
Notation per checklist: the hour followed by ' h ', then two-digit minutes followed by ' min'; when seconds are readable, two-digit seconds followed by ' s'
6 h 48 min
